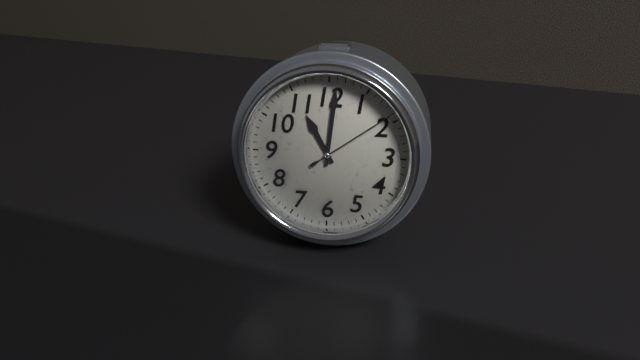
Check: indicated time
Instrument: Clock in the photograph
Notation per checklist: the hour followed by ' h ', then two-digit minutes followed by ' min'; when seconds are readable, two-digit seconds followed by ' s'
11 h 01 min 09 s
